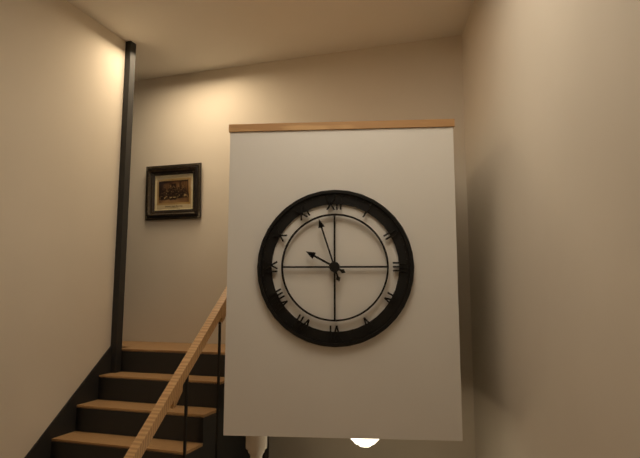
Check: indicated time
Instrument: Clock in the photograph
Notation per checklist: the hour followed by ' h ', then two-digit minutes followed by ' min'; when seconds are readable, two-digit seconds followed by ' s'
9 h 57 min
